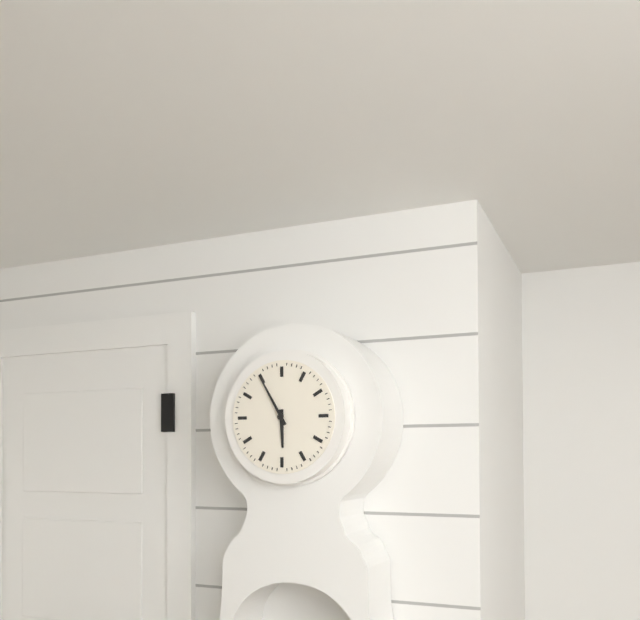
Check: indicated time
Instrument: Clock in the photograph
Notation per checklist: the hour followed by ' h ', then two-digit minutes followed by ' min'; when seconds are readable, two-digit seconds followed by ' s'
5 h 55 min
